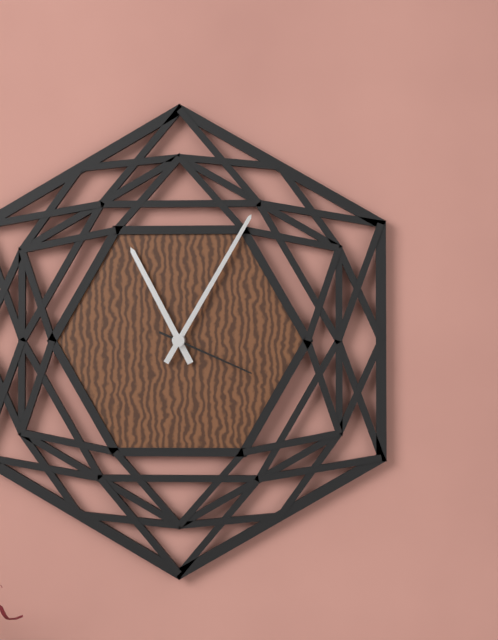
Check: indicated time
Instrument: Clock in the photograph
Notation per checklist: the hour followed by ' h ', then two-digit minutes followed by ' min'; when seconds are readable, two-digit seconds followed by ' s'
11 h 05 min 19 s
